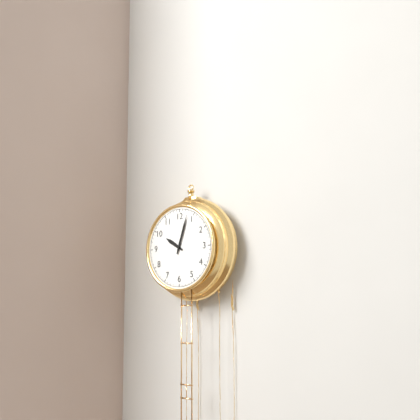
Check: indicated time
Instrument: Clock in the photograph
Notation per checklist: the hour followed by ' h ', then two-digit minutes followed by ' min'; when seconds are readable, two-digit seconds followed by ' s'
10 h 03 min
